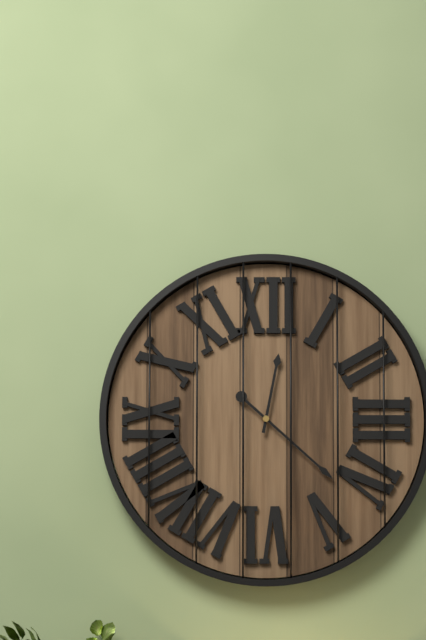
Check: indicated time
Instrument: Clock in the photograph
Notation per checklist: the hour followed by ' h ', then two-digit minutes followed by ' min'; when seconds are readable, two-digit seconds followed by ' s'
12 h 22 min
